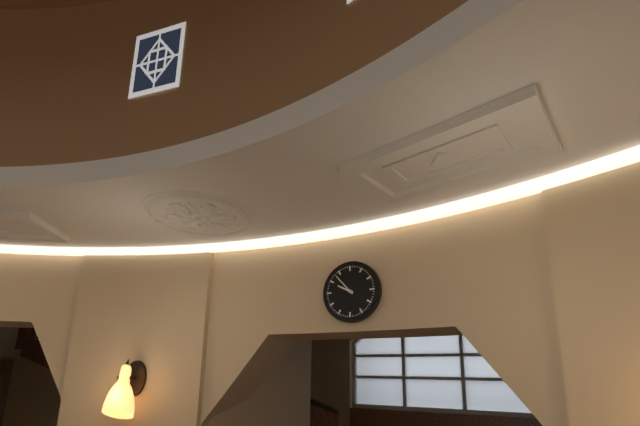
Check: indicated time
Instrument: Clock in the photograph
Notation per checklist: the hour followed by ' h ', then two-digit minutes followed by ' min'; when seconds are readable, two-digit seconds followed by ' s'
9 h 53 min
